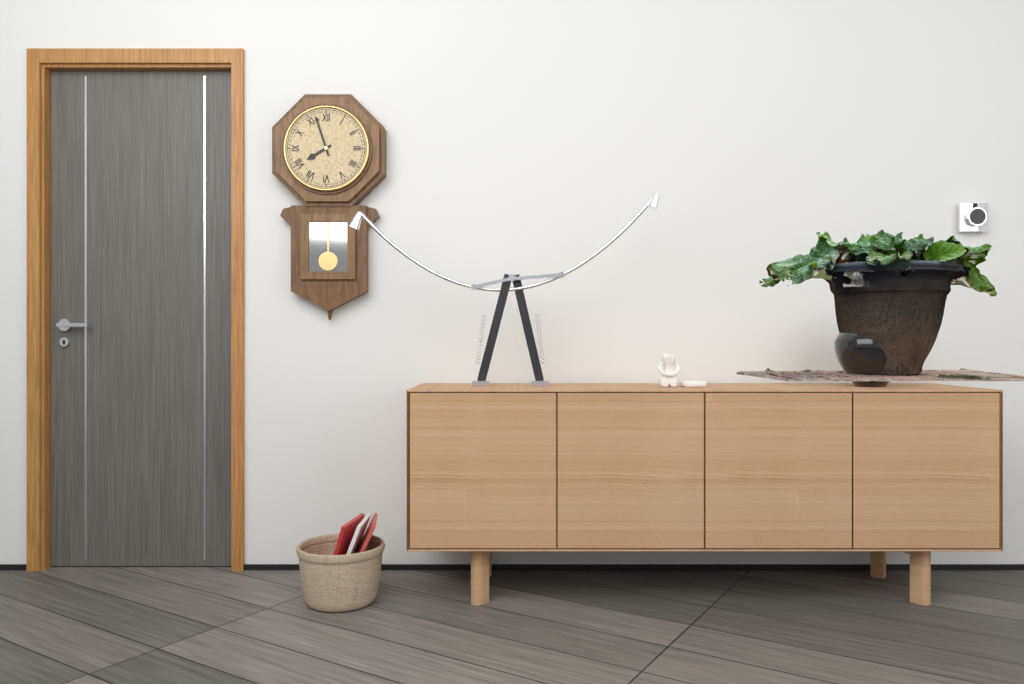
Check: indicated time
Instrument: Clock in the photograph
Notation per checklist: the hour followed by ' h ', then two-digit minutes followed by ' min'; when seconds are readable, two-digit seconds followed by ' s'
7 h 57 min
